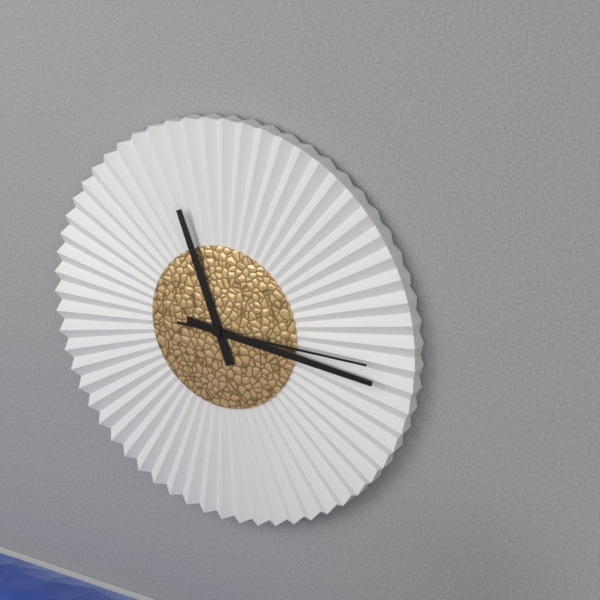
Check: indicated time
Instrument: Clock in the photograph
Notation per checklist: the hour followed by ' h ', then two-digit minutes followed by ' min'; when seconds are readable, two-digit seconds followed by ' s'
11 h 16 min 15 s
